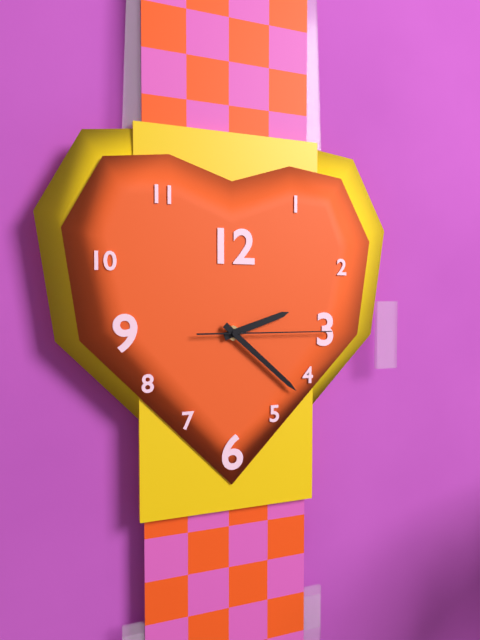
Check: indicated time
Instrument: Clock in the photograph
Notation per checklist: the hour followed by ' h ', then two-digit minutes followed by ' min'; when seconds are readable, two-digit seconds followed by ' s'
2 h 22 min 15 s
